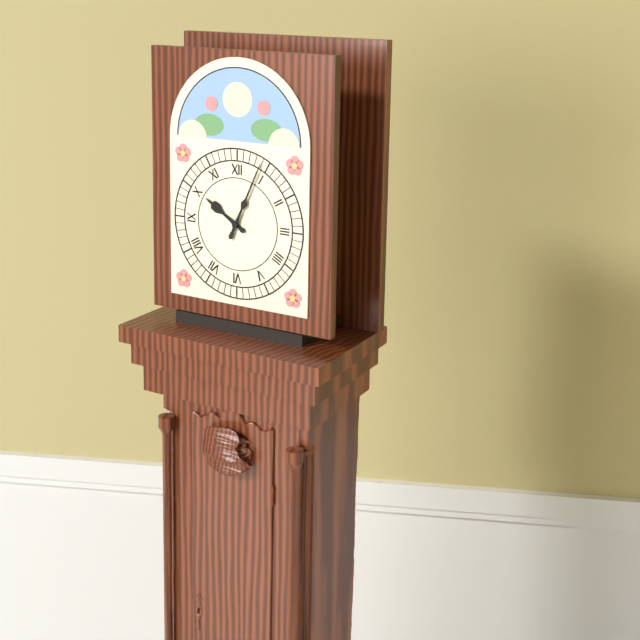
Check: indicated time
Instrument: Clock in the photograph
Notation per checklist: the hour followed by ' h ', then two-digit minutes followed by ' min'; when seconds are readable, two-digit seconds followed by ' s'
10 h 04 min
